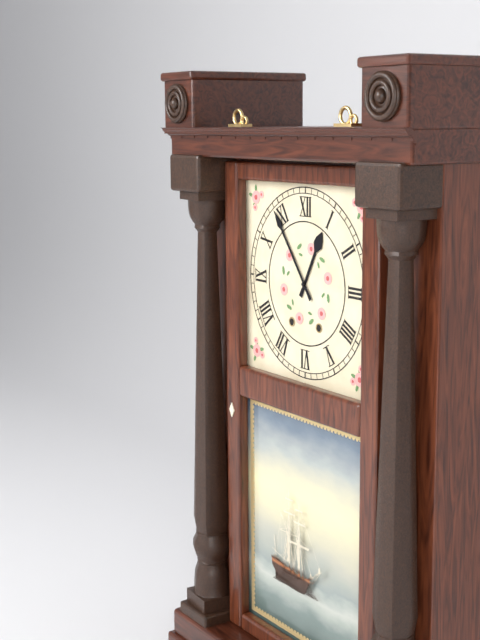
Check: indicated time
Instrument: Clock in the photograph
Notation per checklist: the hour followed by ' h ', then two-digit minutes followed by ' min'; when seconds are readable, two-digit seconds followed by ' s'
12 h 54 min
